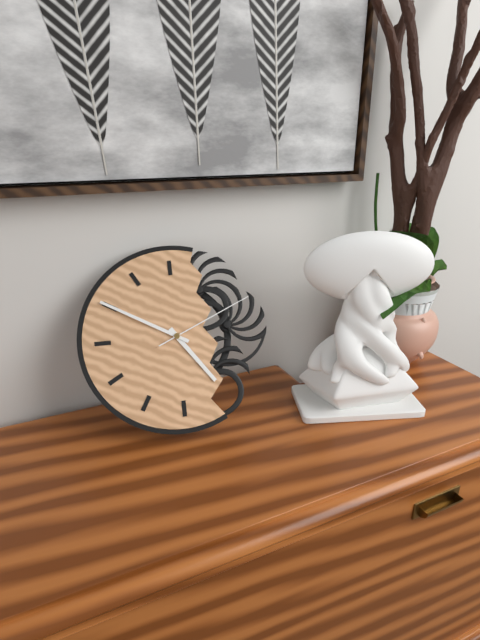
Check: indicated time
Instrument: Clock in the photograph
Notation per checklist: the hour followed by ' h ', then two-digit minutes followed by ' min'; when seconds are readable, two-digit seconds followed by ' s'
4 h 50 min 11 s
